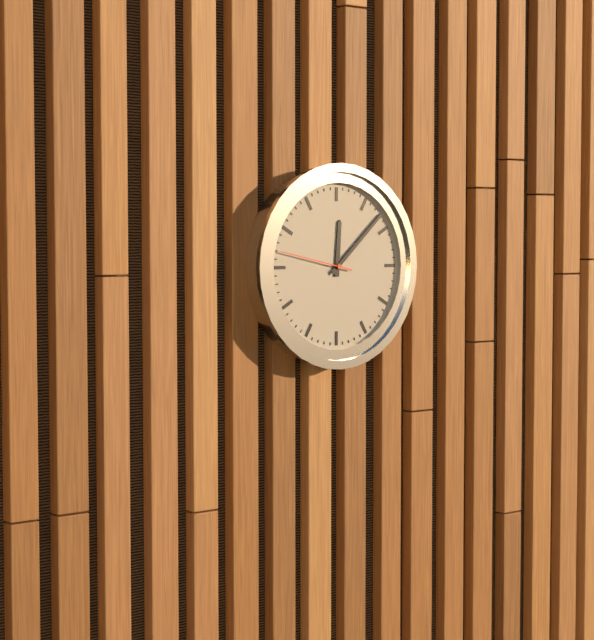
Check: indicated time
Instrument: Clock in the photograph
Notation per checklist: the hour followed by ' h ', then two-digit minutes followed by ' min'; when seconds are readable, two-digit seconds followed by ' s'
12 h 08 min 47 s
